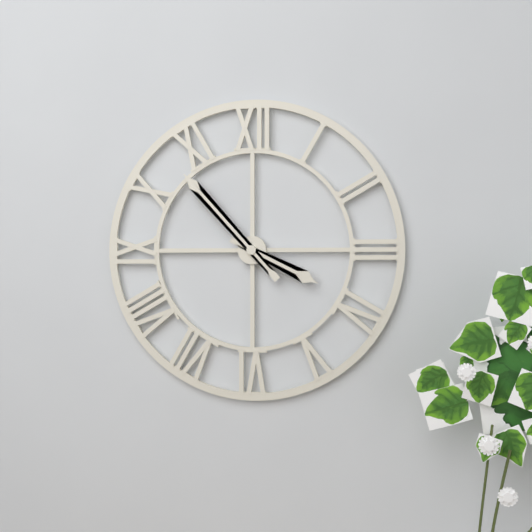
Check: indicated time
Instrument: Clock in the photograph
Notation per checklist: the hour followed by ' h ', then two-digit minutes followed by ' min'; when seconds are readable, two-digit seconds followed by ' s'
3 h 53 min
